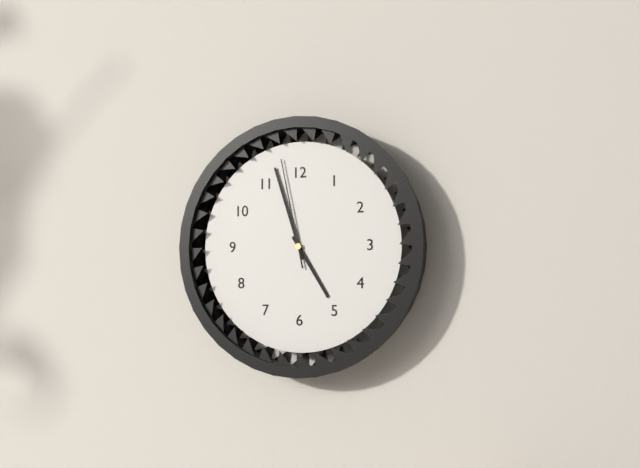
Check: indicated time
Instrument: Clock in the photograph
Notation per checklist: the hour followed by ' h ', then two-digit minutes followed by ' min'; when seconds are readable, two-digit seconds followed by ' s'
4 h 57 min 58 s
